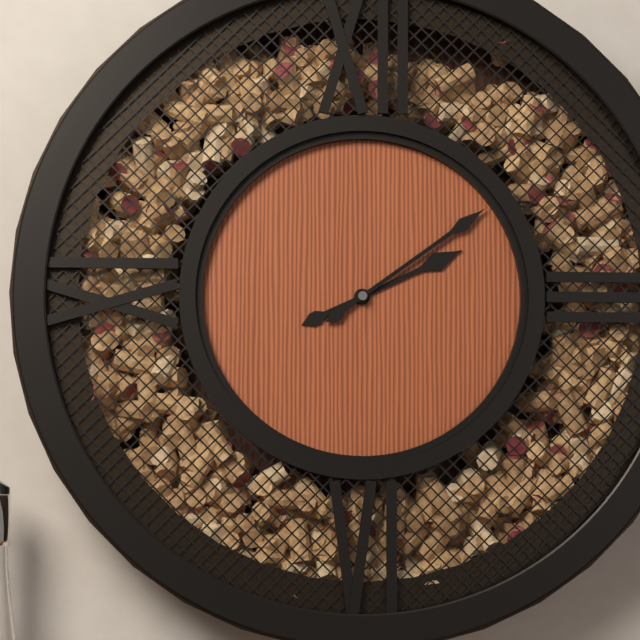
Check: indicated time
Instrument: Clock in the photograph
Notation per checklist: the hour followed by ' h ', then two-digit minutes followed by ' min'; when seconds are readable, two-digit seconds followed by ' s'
2 h 09 min
